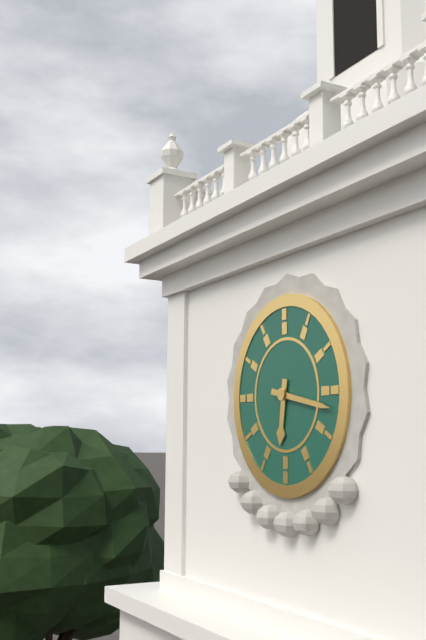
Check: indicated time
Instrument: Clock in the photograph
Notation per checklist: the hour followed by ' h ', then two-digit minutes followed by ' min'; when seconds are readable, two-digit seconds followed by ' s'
6 h 17 min
